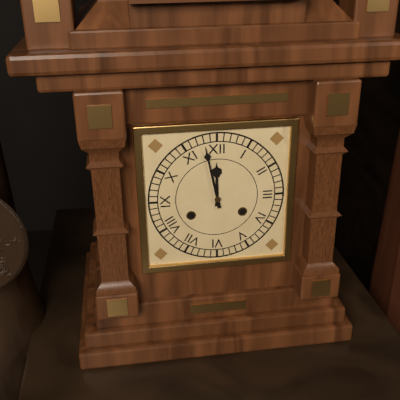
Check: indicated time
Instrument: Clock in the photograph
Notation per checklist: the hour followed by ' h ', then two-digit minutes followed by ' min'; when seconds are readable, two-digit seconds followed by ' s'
11 h 58 min
